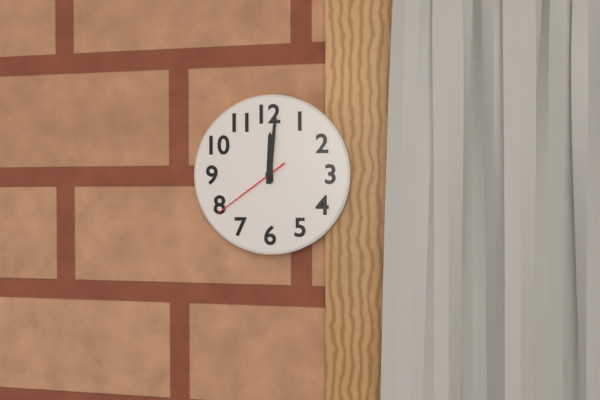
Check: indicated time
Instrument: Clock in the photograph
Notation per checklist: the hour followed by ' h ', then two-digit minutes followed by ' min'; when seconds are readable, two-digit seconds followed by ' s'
12 h 01 min 39 s
